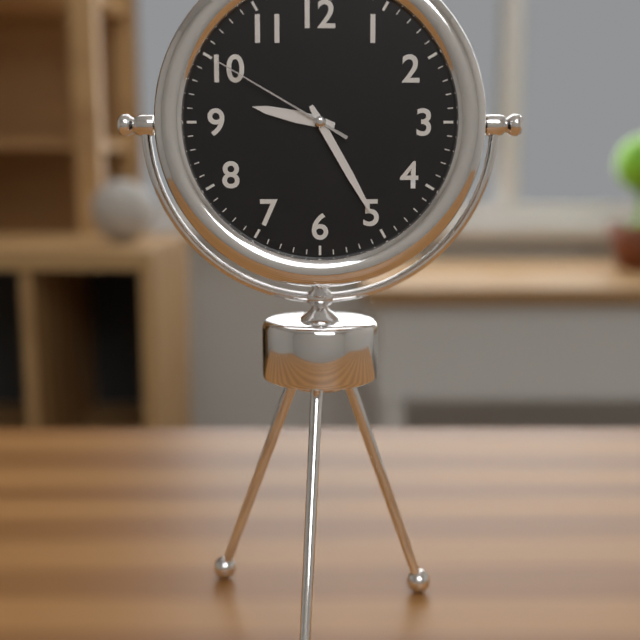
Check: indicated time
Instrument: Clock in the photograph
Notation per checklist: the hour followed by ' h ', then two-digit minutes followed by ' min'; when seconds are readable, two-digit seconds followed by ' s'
9 h 25 min 50 s
